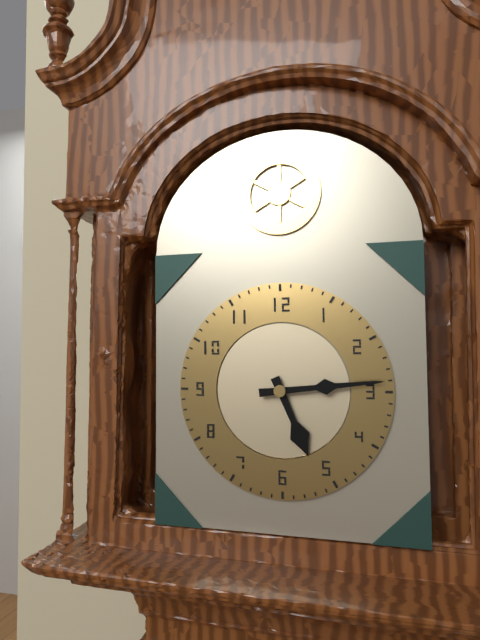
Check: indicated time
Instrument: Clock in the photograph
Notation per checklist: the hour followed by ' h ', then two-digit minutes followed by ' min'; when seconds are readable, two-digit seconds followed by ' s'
5 h 14 min
